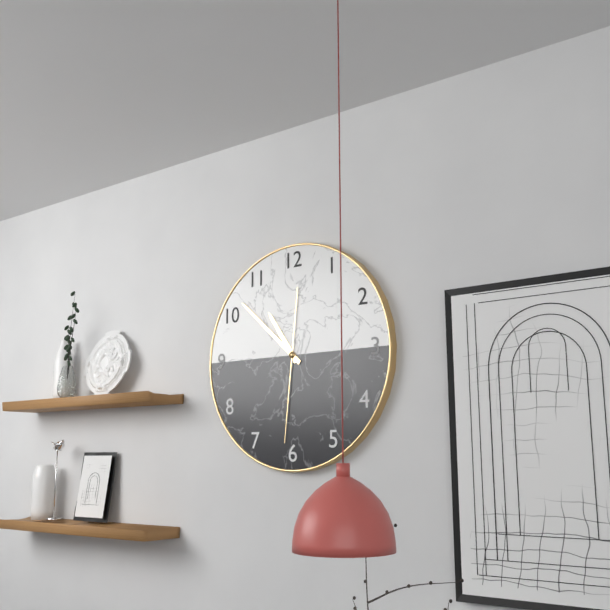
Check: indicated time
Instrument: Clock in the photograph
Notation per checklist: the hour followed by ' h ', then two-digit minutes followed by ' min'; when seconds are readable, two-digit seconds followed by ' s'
10 h 52 min 31 s
